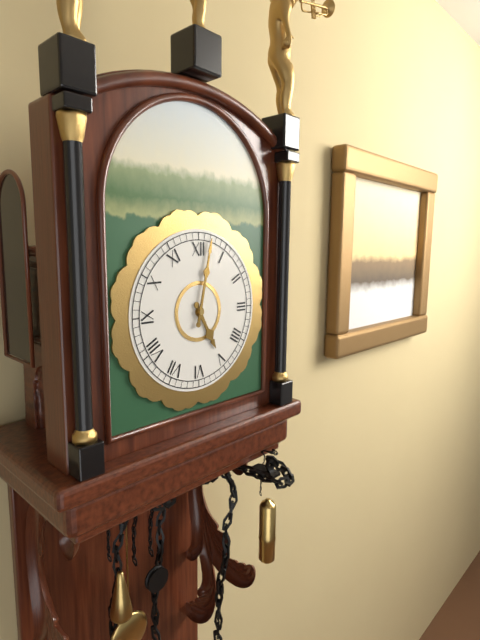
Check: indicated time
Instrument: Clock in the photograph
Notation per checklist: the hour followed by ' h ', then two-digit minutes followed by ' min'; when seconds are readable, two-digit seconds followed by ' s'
5 h 02 min
